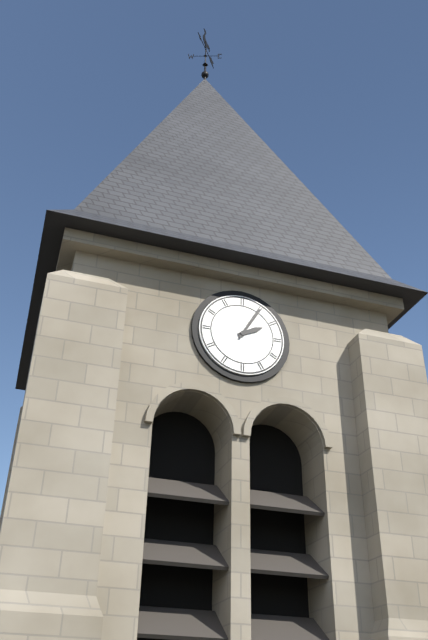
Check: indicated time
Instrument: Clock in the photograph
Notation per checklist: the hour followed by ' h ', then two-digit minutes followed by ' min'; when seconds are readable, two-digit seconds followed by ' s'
2 h 05 min
